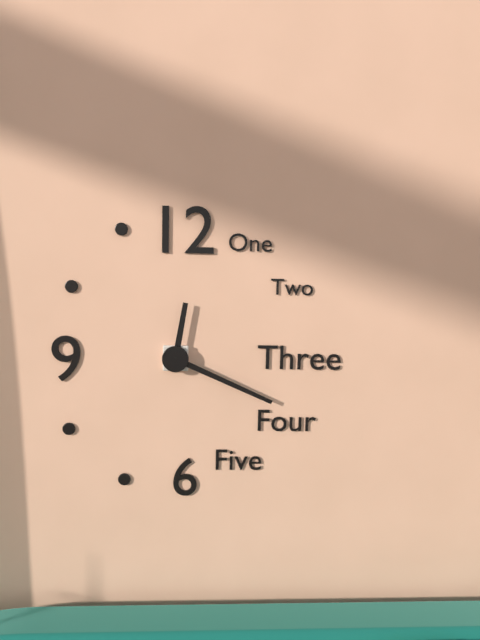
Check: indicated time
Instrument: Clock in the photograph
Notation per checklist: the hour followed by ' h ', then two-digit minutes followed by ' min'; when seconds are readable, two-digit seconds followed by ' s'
12 h 19 min
